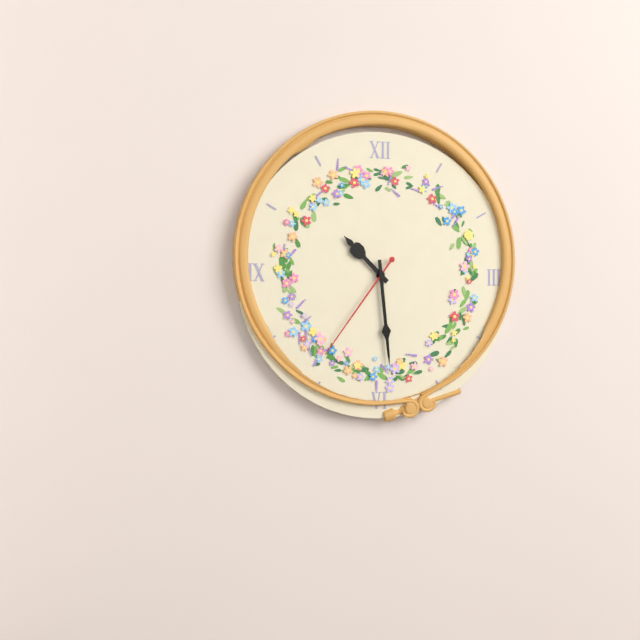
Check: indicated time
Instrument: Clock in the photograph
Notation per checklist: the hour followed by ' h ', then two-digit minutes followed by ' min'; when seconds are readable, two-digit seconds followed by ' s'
10 h 29 min 36 s
